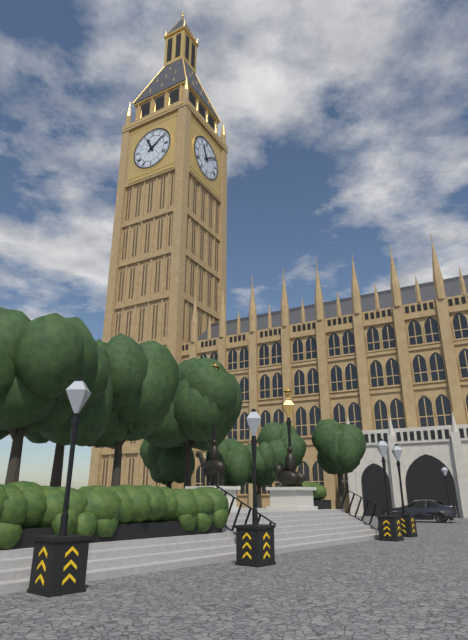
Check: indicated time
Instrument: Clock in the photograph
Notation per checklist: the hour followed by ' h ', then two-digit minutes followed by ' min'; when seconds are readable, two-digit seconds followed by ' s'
11 h 09 min
